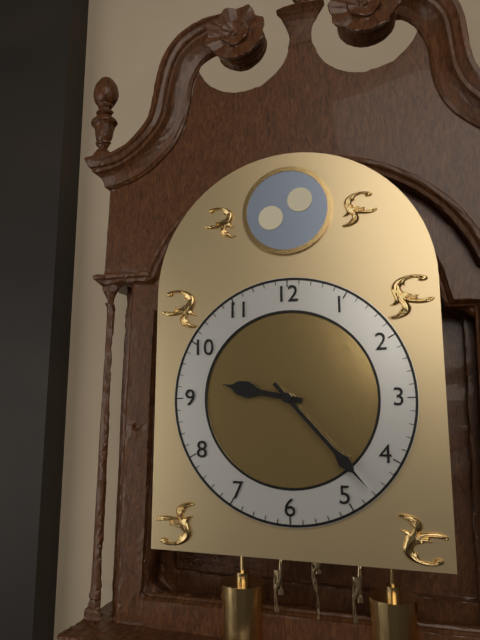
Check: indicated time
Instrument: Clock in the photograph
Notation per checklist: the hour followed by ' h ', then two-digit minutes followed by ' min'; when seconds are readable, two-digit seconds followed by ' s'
9 h 23 min
